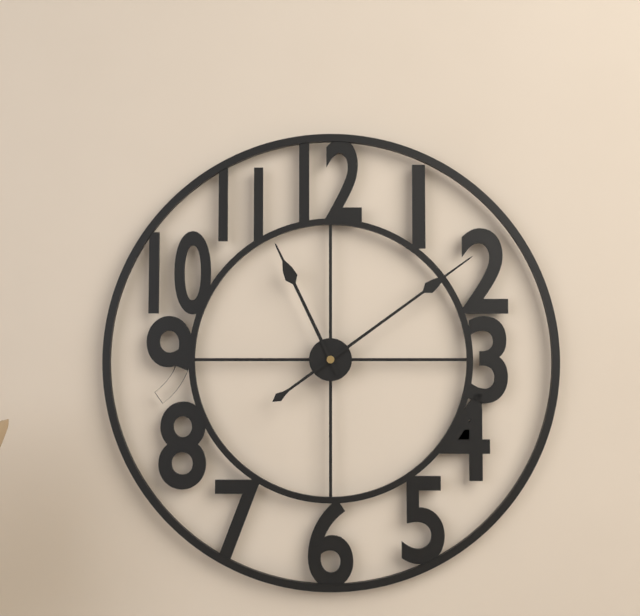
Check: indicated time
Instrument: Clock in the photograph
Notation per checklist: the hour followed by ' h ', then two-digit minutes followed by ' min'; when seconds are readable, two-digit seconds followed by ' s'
11 h 09 min
